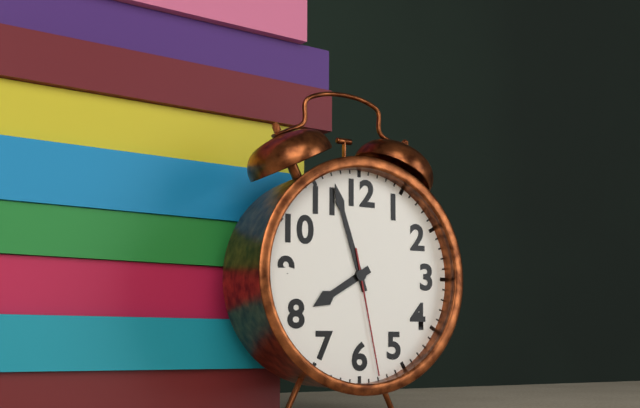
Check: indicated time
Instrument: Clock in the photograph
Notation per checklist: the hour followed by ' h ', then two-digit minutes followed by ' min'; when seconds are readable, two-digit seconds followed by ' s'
7 h 57 min 28 s
